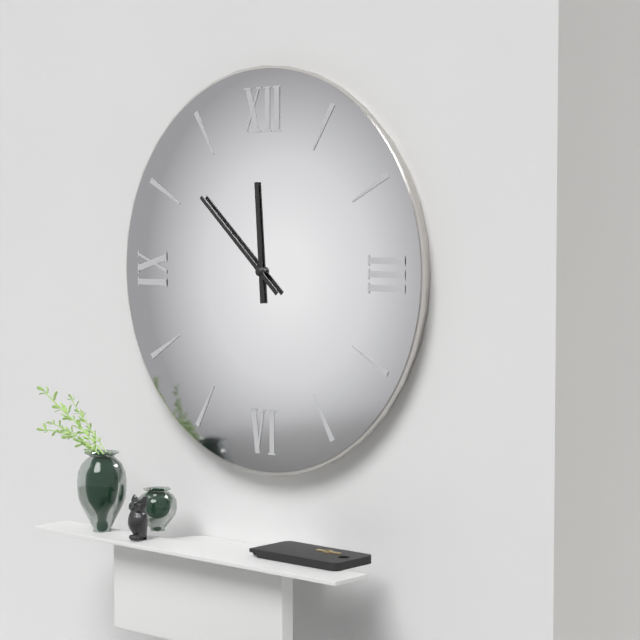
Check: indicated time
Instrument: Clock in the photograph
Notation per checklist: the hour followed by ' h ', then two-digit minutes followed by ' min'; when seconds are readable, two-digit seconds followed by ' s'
11 h 52 min
